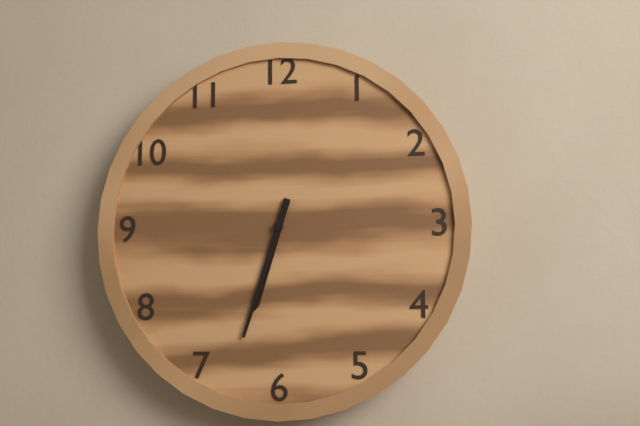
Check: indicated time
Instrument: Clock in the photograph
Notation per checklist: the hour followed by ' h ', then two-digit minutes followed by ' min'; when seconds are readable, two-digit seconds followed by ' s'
6 h 33 min
